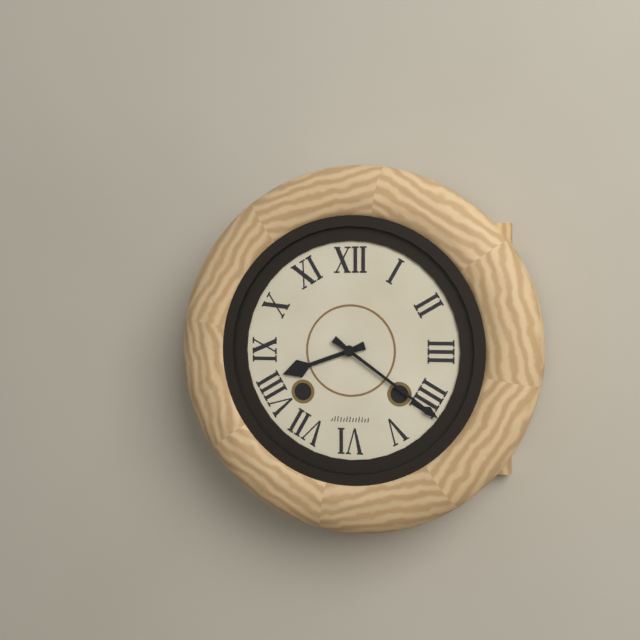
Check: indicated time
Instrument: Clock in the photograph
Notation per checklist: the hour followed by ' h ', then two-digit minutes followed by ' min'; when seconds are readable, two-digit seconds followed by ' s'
8 h 21 min
